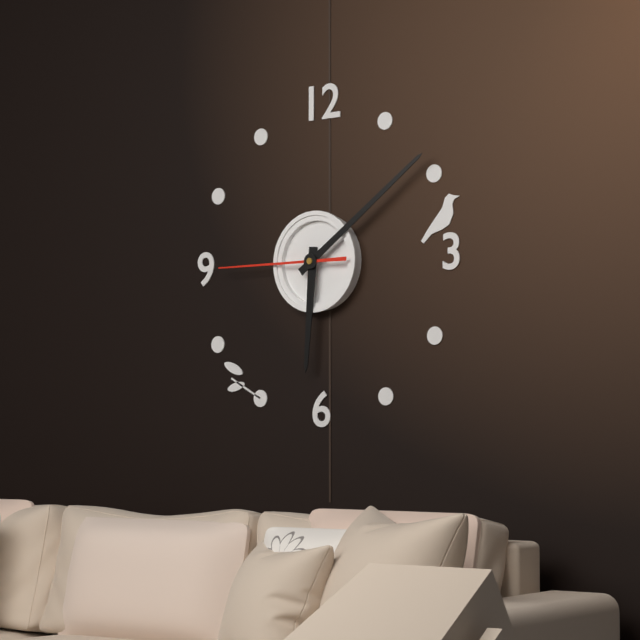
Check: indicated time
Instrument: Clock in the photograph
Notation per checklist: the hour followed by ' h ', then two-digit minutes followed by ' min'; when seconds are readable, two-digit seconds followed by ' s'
6 h 09 min 45 s
